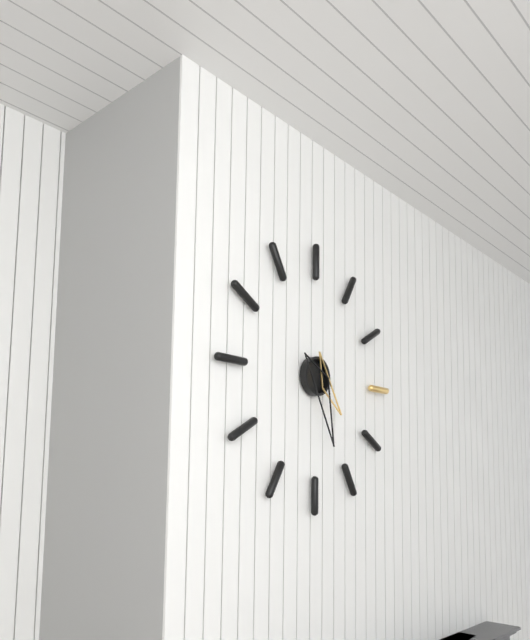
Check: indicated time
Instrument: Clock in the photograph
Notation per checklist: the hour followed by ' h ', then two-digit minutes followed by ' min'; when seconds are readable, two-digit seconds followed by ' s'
4 h 27 min
